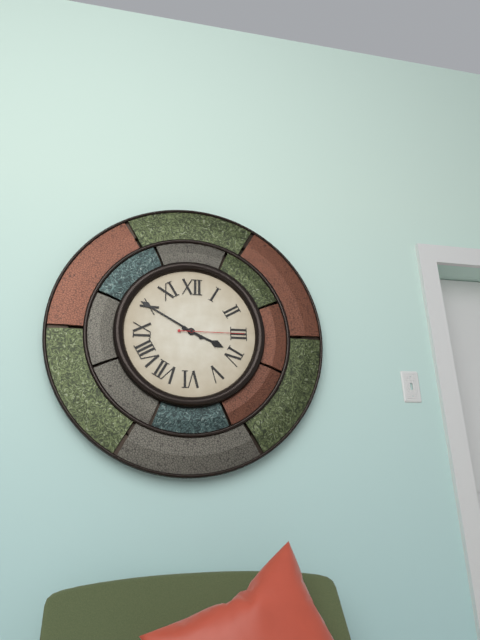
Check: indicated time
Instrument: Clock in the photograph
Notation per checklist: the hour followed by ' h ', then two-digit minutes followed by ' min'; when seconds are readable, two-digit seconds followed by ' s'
3 h 50 min 15 s
